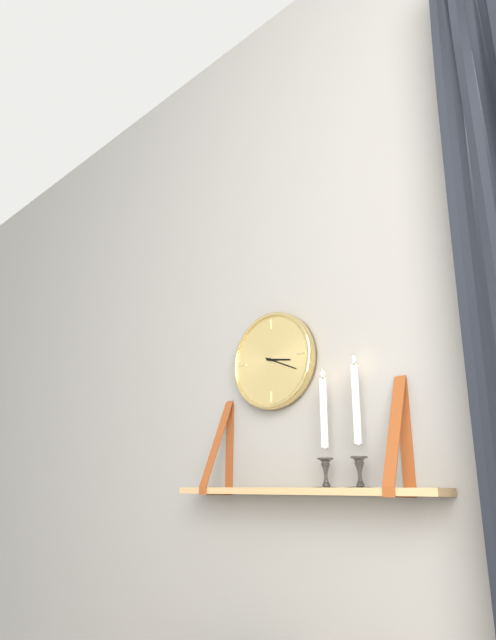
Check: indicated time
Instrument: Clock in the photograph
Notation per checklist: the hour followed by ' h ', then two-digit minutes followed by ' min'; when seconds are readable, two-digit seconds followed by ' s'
3 h 19 min
